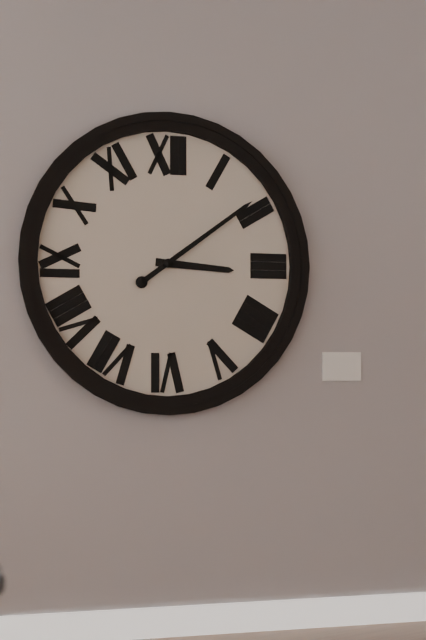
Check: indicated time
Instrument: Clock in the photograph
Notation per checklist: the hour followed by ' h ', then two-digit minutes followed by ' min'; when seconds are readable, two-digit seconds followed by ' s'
3 h 09 min
